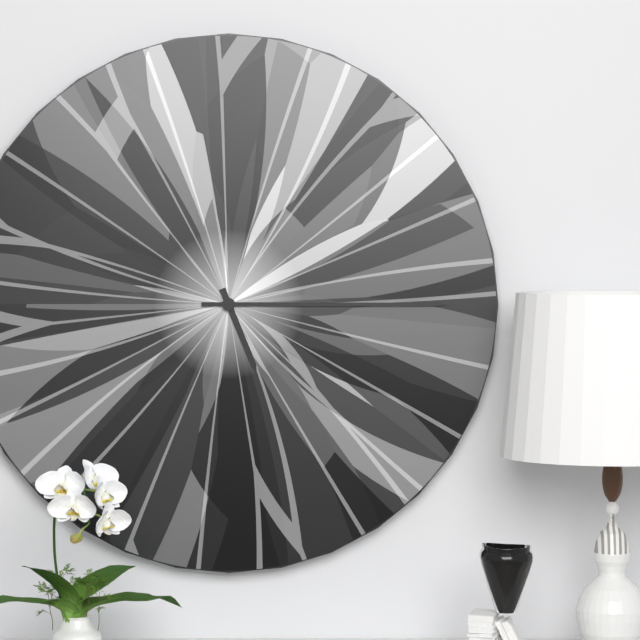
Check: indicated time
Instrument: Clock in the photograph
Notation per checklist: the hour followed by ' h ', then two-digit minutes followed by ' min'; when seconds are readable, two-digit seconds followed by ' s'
5 h 15 min
